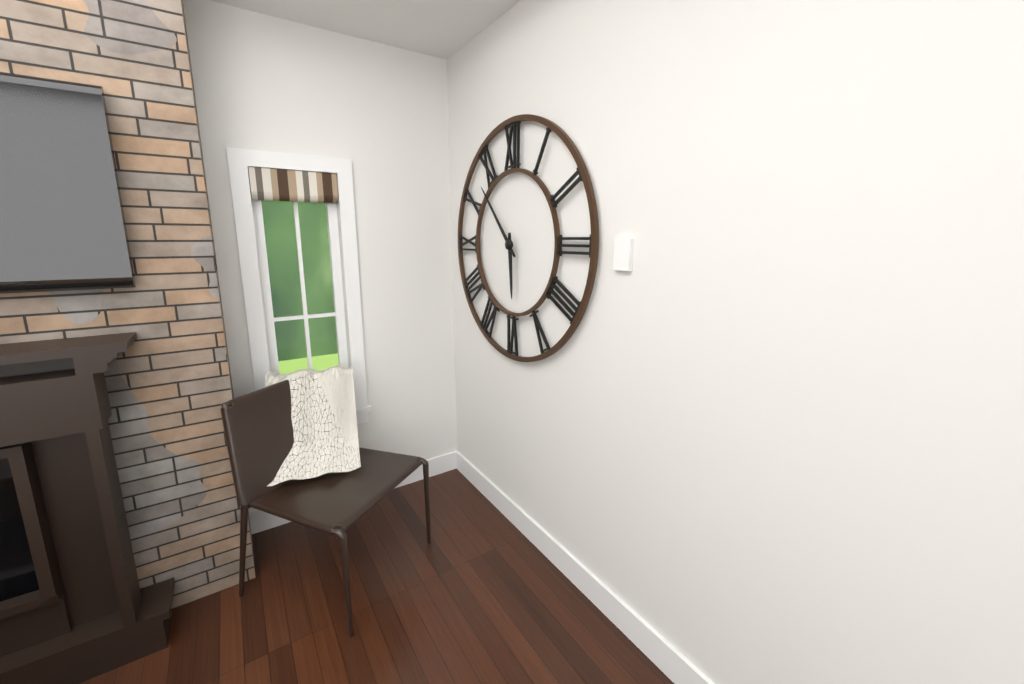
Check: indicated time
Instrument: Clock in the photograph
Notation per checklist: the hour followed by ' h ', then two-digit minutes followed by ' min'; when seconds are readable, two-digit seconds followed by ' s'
5 h 53 min
